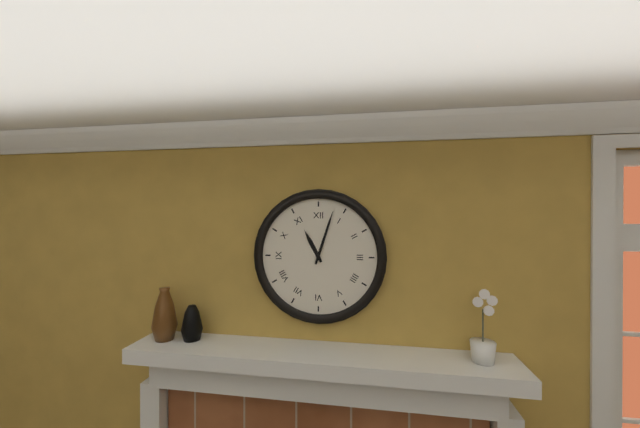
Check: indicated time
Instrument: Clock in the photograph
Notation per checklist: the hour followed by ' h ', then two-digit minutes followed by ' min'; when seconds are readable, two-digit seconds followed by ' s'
11 h 03 min
